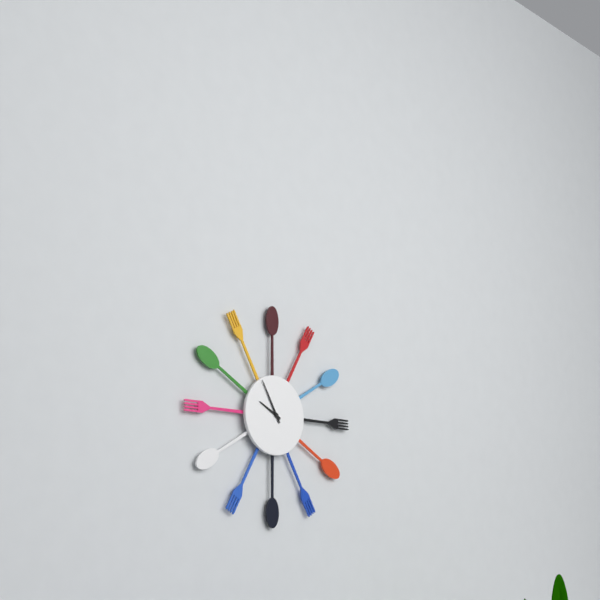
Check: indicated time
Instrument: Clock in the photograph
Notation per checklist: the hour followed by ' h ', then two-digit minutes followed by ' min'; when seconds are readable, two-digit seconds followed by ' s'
9 h 55 min
